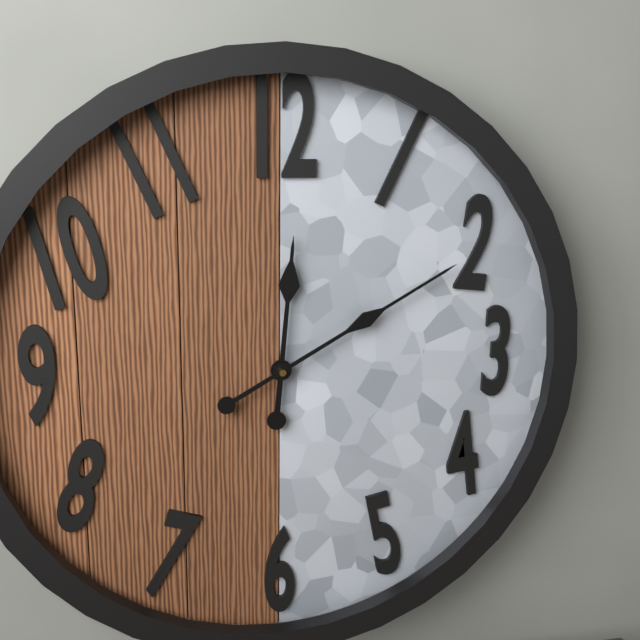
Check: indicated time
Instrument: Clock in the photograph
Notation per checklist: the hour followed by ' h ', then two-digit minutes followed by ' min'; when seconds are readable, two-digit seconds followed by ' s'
12 h 10 min
